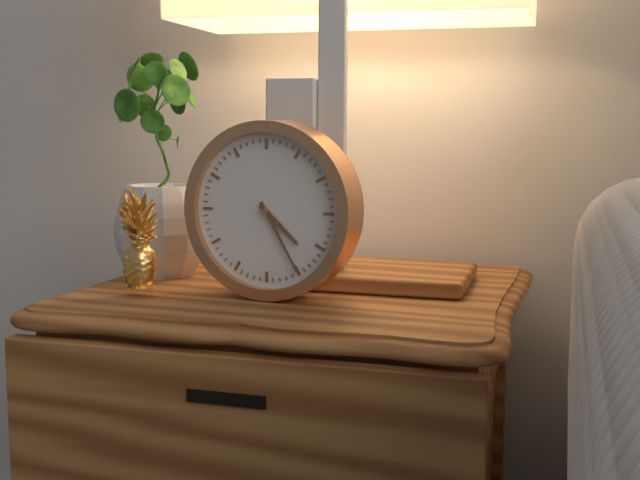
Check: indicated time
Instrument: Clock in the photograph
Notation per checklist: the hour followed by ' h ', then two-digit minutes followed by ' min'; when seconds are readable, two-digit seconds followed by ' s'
4 h 25 min
